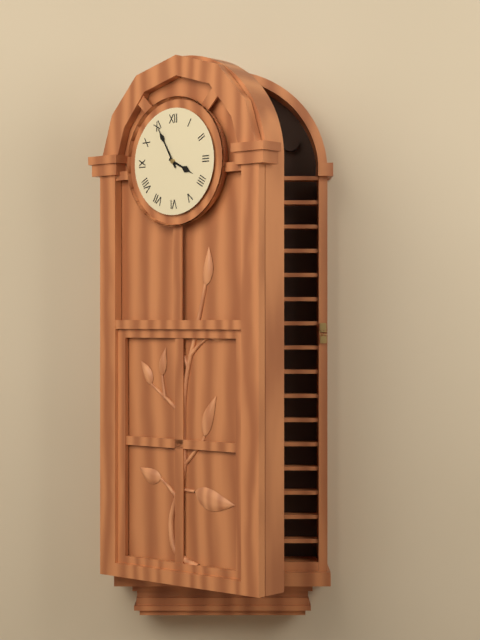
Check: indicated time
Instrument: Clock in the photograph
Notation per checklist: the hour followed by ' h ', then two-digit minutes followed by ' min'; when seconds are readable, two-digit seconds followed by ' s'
3 h 55 min
